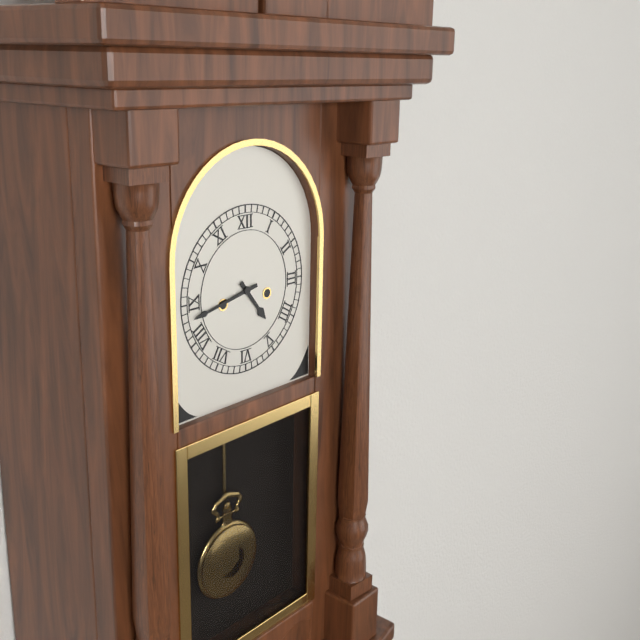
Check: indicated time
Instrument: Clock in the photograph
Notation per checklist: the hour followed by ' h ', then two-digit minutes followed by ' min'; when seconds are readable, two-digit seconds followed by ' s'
4 h 43 min
